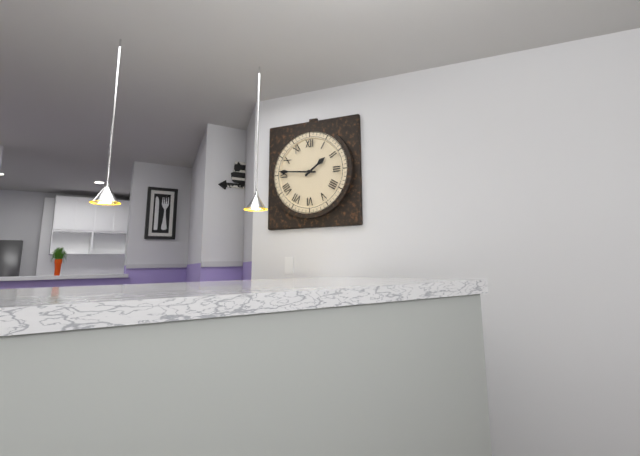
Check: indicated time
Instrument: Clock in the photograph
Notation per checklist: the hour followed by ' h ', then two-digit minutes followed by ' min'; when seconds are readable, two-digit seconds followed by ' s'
1 h 46 min
